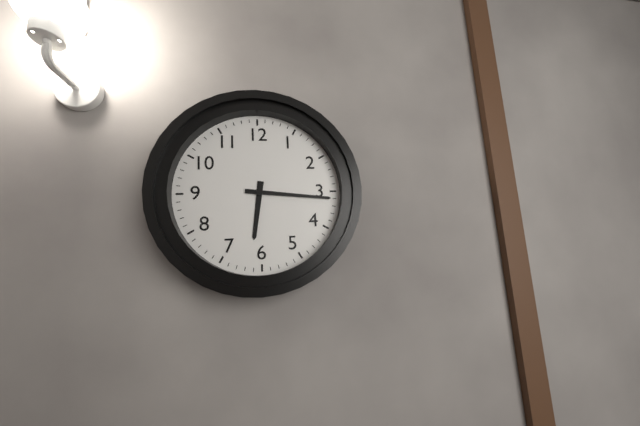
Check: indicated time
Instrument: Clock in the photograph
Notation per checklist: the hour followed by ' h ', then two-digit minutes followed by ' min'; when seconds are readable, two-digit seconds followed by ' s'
6 h 16 min
